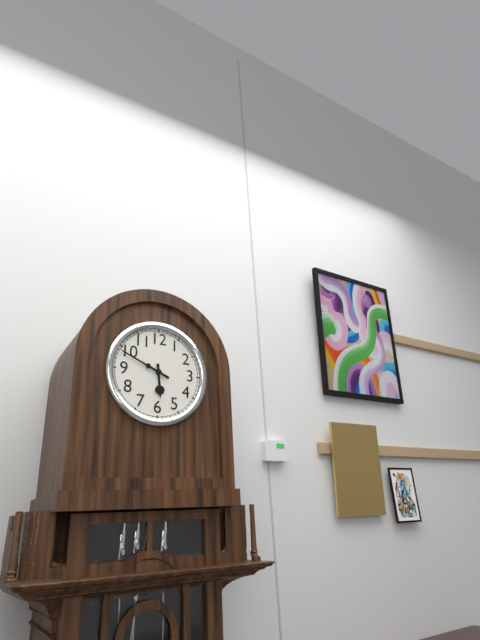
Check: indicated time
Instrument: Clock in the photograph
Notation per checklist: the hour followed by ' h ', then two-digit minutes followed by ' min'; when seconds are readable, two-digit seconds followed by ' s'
5 h 49 min
